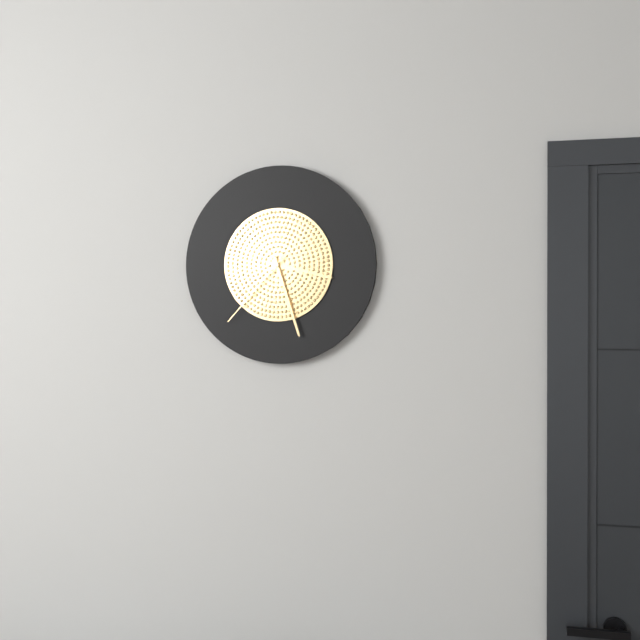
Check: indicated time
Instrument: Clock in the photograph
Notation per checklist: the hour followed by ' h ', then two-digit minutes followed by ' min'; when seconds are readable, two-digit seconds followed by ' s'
3 h 27 min 37 s
